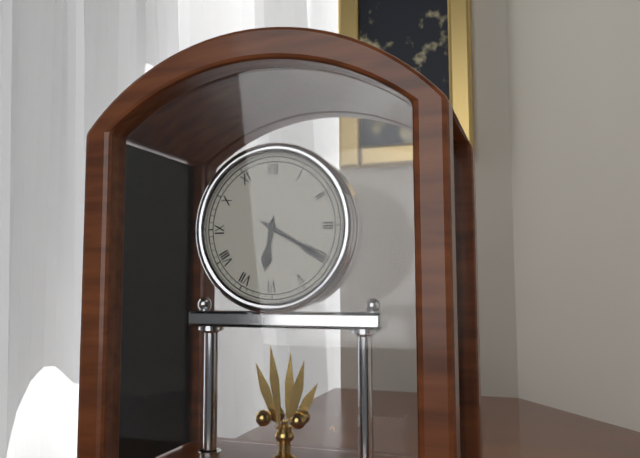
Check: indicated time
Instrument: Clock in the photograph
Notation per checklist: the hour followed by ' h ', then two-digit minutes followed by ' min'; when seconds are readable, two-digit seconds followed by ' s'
6 h 20 min
